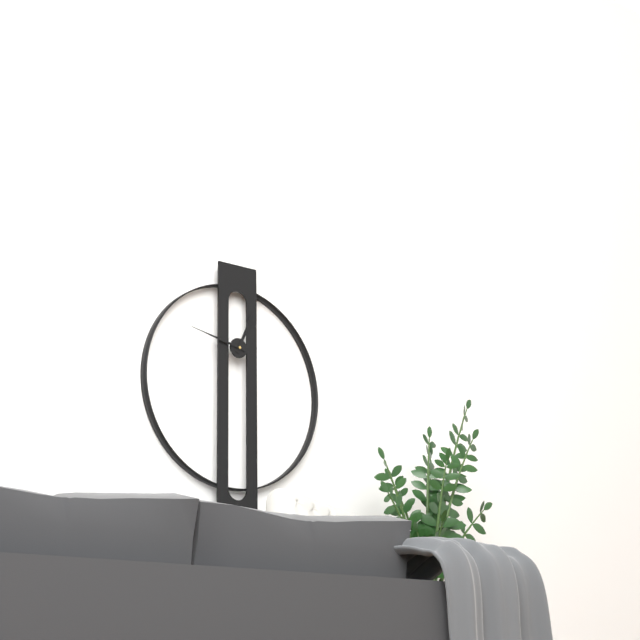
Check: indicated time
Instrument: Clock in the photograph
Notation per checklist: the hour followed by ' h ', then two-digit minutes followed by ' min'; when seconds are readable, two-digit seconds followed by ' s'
12 h 47 min
